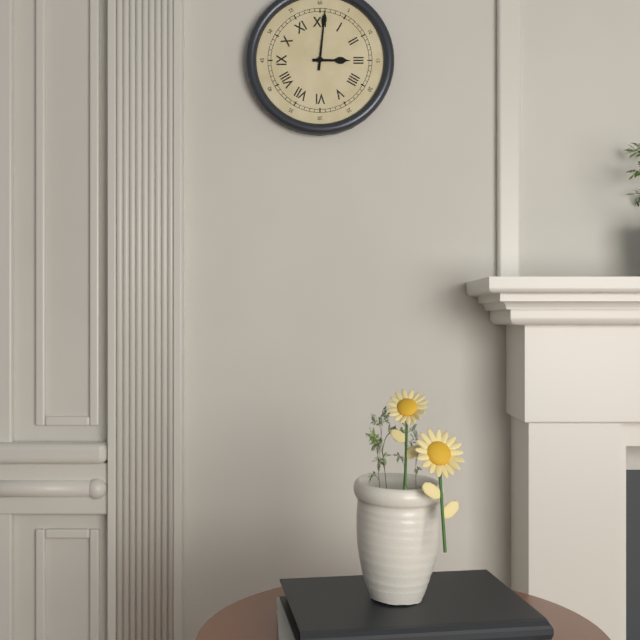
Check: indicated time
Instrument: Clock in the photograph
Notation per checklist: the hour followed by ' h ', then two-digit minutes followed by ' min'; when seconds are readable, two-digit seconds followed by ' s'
3 h 01 min
